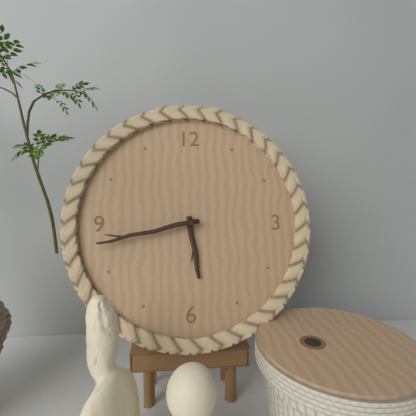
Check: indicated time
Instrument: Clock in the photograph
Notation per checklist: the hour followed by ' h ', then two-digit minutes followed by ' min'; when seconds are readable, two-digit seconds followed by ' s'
5 h 43 min
